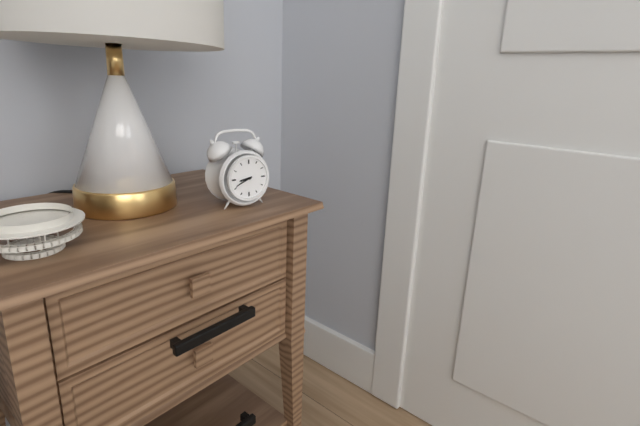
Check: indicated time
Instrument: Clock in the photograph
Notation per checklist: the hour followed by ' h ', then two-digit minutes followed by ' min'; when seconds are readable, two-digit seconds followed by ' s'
8 h 41 min
